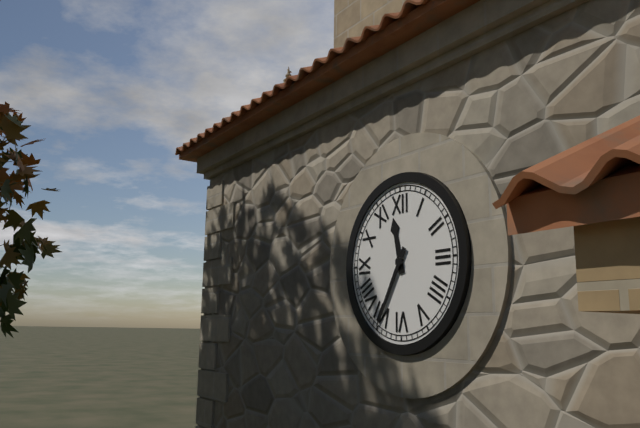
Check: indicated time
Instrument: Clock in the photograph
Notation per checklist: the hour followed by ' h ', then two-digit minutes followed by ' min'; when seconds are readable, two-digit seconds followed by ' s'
11 h 35 min
